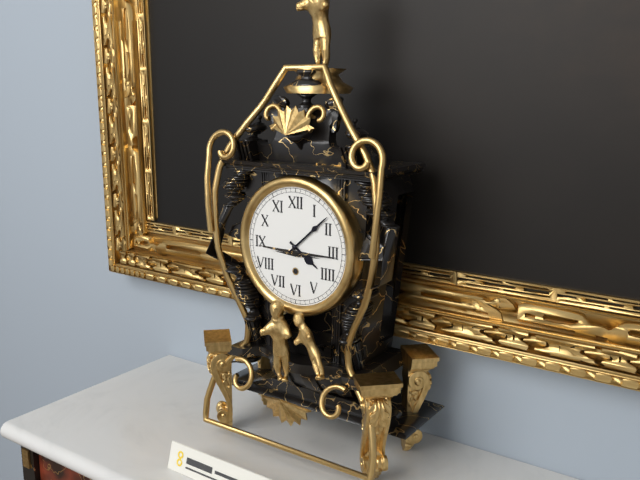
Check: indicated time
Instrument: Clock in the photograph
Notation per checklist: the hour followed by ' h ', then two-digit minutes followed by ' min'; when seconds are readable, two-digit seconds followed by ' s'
4 h 08 min
